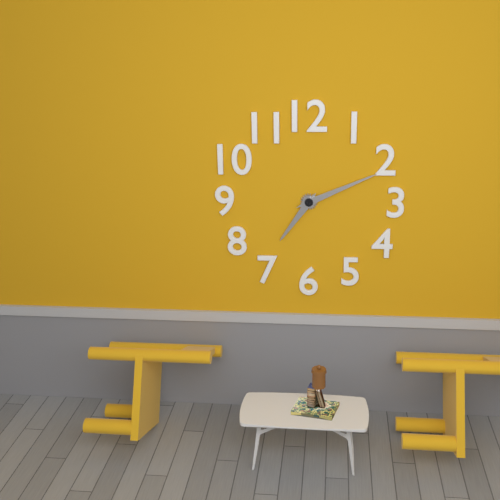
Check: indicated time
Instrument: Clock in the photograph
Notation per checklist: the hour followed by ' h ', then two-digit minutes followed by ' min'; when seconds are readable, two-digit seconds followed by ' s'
7 h 11 min
